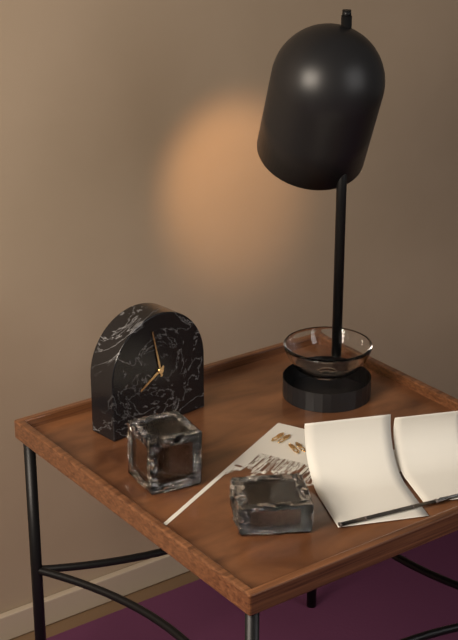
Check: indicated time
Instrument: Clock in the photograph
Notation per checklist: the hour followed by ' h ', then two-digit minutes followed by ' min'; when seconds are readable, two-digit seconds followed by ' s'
7 h 58 min
